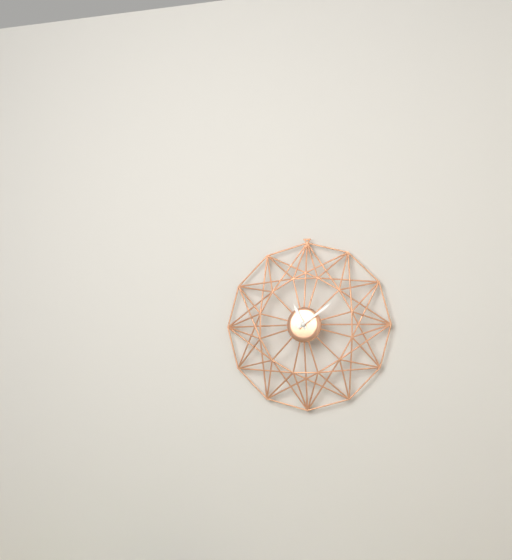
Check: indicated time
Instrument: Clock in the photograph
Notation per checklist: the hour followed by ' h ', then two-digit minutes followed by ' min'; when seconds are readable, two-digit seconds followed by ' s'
11 h 09 min
